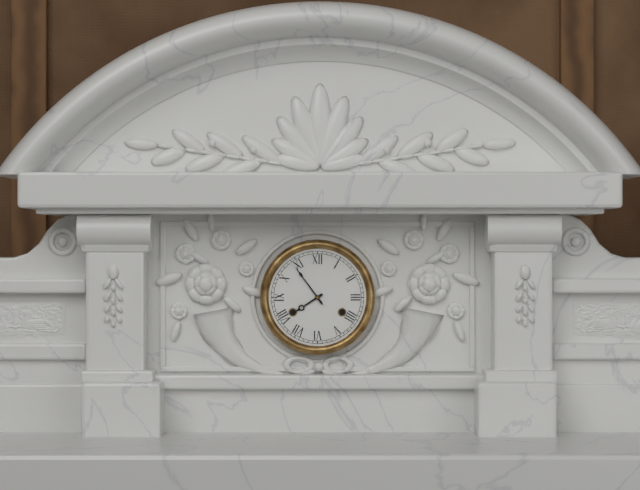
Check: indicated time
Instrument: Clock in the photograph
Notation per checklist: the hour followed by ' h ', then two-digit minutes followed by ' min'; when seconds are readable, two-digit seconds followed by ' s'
7 h 54 min
